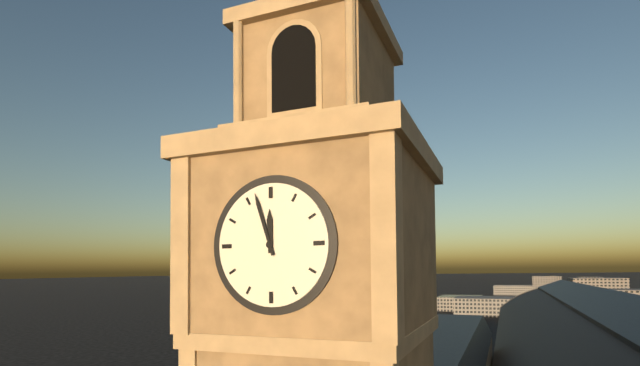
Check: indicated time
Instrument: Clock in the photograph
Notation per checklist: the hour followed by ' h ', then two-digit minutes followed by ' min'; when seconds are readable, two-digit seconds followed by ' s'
11 h 57 min
